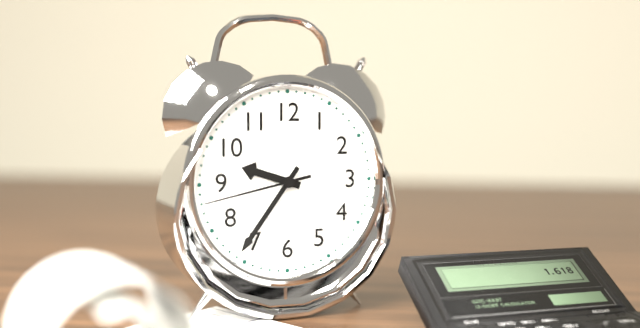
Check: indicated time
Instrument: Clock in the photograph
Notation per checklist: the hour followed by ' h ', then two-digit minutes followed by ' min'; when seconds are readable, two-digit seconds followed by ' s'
9 h 36 min 43 s
